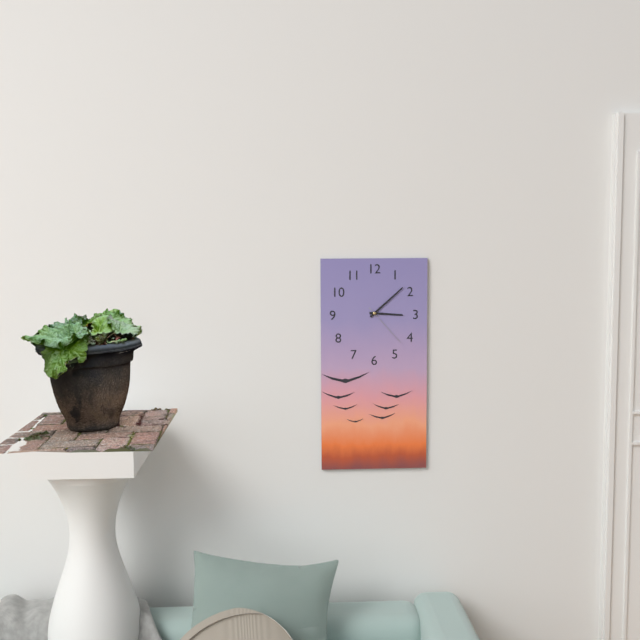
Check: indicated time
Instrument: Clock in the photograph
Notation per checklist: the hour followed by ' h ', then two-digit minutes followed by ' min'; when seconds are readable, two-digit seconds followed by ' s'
3 h 08 min
